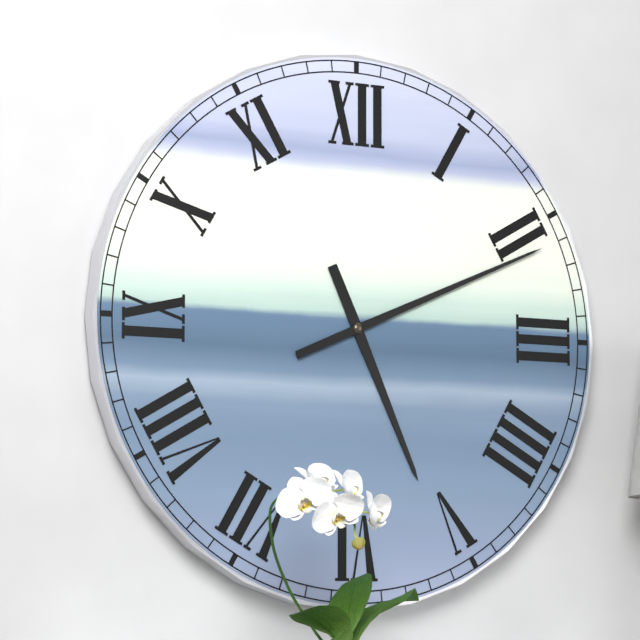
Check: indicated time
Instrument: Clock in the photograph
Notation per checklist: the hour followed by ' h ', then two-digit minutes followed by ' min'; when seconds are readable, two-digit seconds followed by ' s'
5 h 11 min
